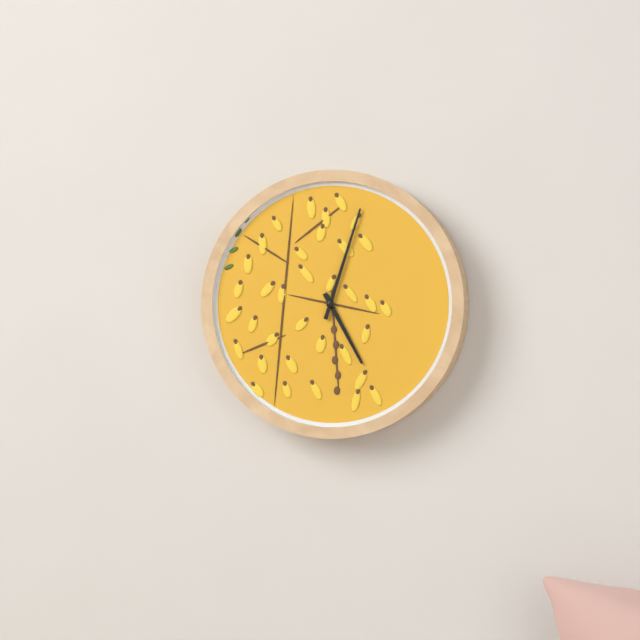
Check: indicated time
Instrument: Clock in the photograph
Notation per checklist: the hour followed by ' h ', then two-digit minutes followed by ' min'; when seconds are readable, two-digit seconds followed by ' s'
5 h 03 min
